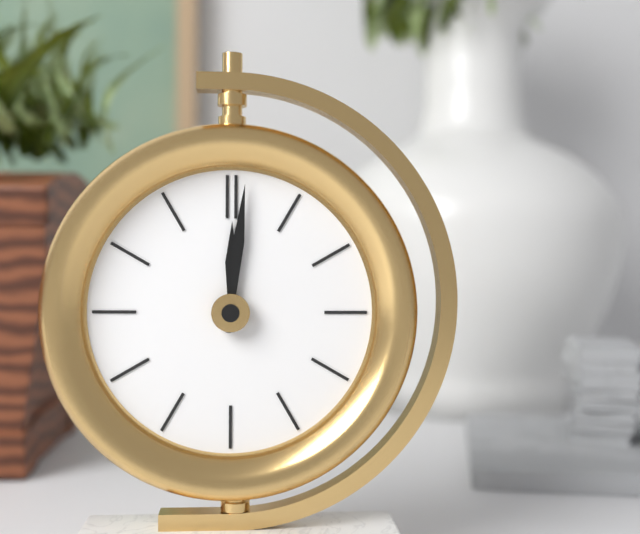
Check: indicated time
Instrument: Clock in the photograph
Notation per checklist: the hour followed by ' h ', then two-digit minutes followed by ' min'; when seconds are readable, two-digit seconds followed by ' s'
12 h 01 min
